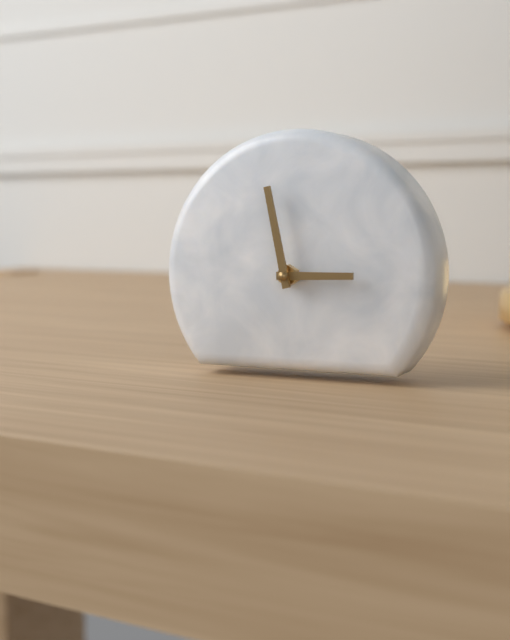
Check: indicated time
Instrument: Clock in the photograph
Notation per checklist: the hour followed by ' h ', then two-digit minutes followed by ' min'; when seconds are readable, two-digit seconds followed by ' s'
2 h 58 min
